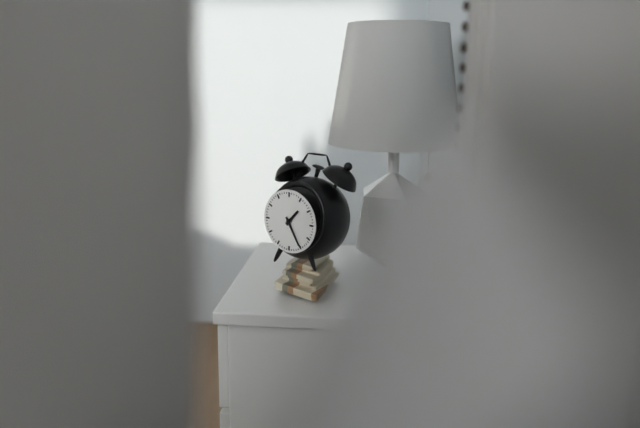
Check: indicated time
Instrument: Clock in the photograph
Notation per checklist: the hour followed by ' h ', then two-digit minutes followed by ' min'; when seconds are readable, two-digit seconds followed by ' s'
1 h 25 min
